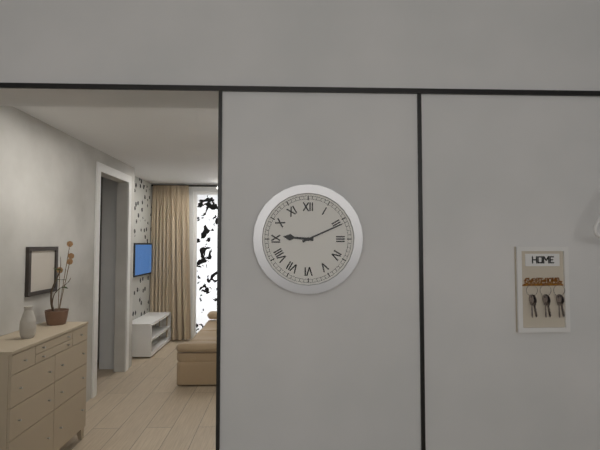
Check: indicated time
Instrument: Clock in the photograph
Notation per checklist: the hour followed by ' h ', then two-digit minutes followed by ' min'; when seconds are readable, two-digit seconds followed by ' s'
9 h 11 min
